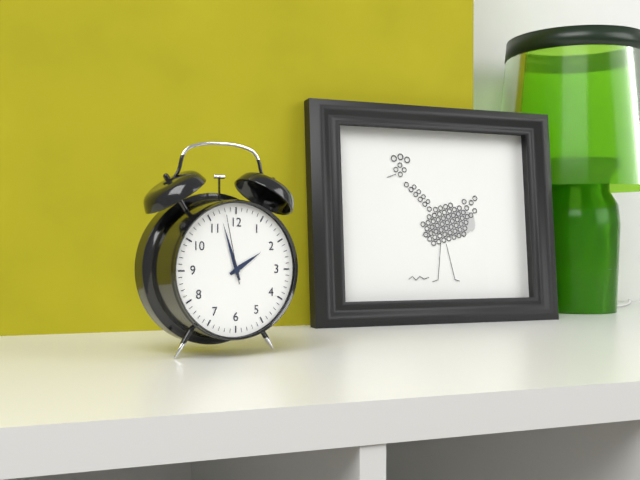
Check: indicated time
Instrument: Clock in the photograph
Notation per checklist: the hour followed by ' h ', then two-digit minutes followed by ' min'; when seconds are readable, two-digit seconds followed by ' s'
1 h 57 min 58 s
